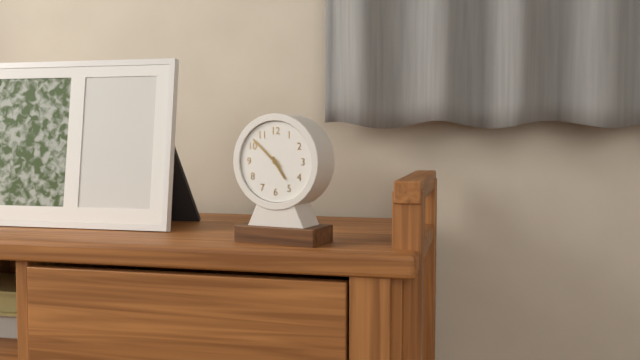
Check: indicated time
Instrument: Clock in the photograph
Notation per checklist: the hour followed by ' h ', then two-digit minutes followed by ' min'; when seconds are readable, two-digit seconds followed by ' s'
4 h 52 min
